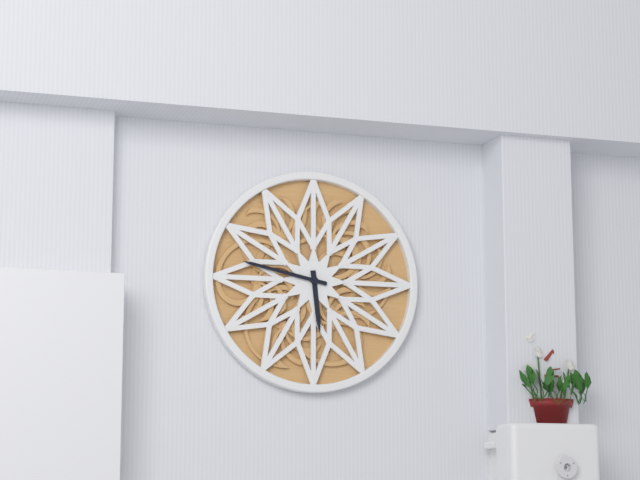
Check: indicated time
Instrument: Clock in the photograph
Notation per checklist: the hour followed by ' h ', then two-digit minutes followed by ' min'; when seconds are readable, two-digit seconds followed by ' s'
5 h 47 min
